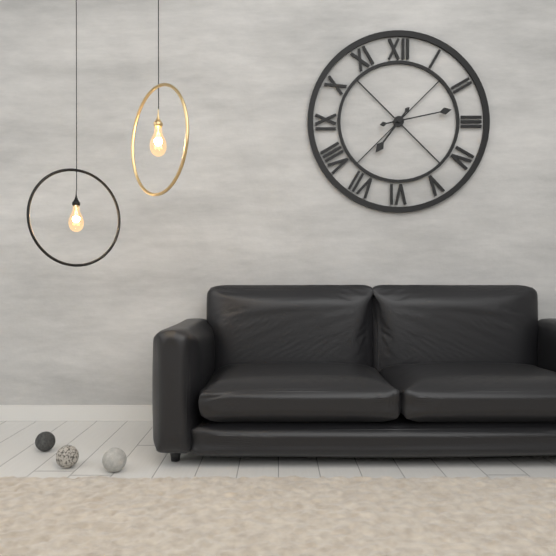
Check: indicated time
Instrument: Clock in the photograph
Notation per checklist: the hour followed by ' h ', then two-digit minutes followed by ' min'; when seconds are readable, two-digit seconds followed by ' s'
7 h 13 min
